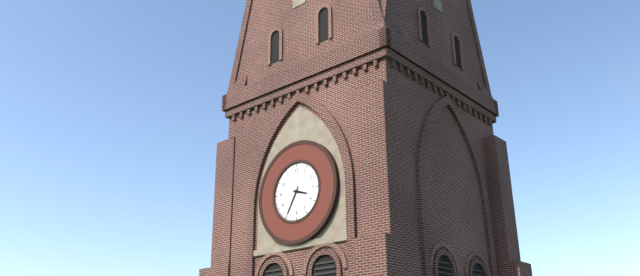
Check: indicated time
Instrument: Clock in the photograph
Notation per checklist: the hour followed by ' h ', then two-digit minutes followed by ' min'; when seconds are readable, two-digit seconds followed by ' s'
3 h 35 min
